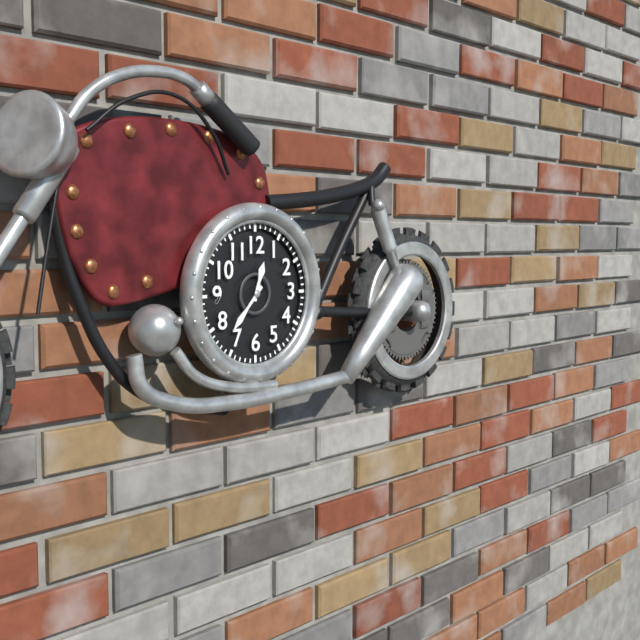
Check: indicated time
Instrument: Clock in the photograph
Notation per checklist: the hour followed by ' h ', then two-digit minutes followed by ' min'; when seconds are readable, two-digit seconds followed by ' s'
12 h 37 min
